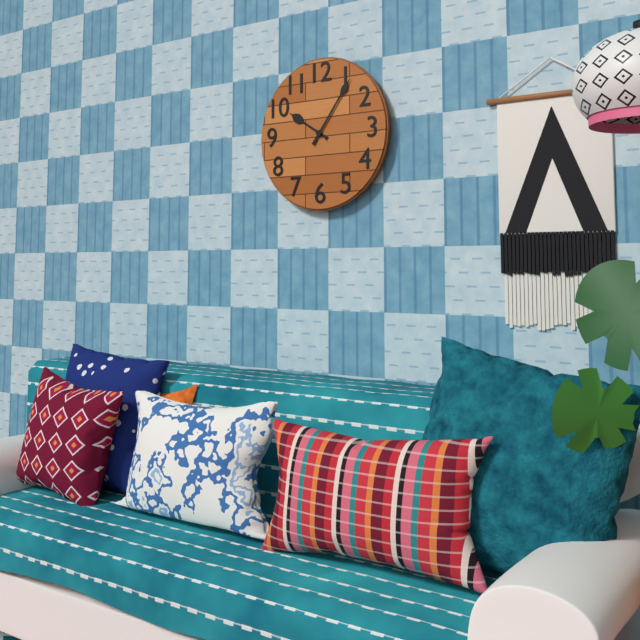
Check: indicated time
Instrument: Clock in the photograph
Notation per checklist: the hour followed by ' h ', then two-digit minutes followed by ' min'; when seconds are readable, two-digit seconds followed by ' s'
10 h 06 min
